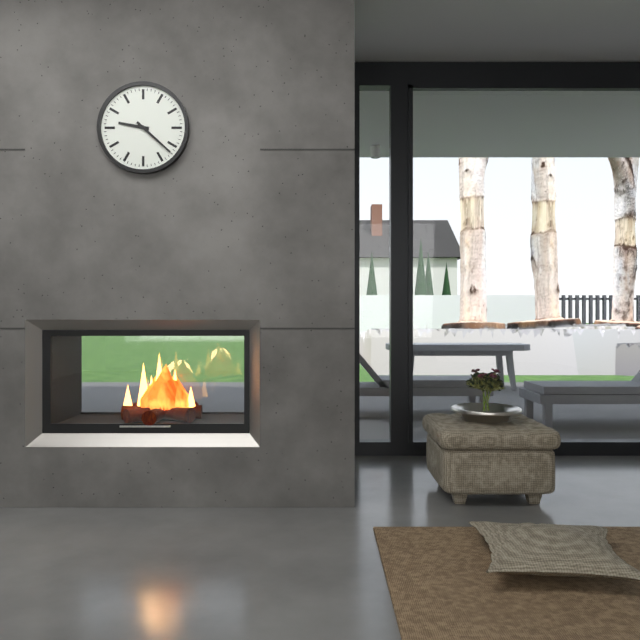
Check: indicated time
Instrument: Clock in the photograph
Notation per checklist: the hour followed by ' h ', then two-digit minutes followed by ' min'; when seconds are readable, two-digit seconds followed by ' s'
9 h 22 min
